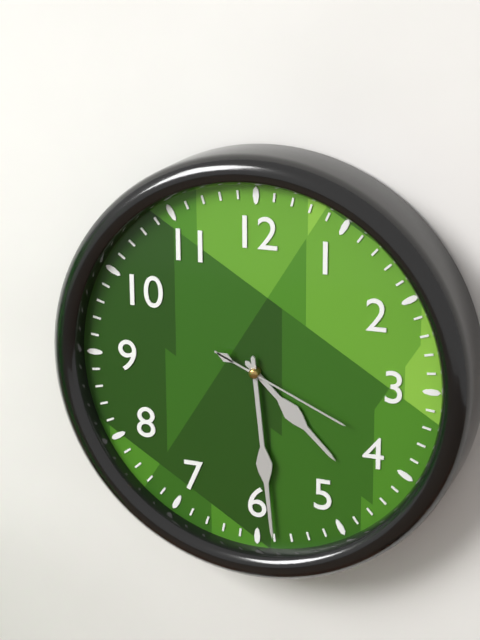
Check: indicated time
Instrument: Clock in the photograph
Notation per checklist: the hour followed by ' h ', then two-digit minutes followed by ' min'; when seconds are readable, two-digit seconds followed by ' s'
4 h 29 min 19 s
